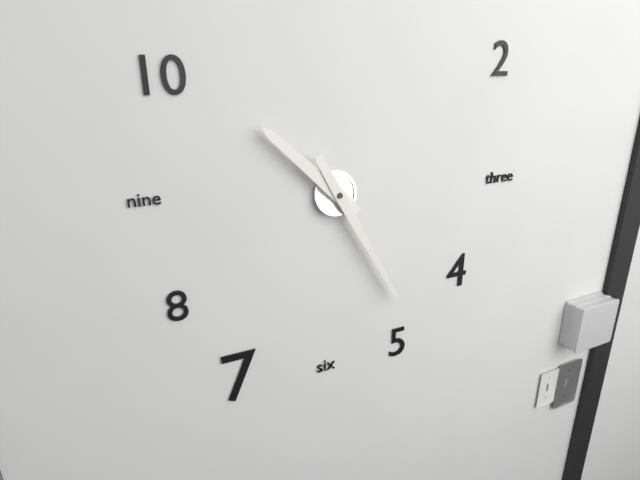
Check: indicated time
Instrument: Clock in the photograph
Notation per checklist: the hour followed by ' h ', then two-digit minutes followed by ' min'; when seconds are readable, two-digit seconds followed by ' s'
10 h 25 min
